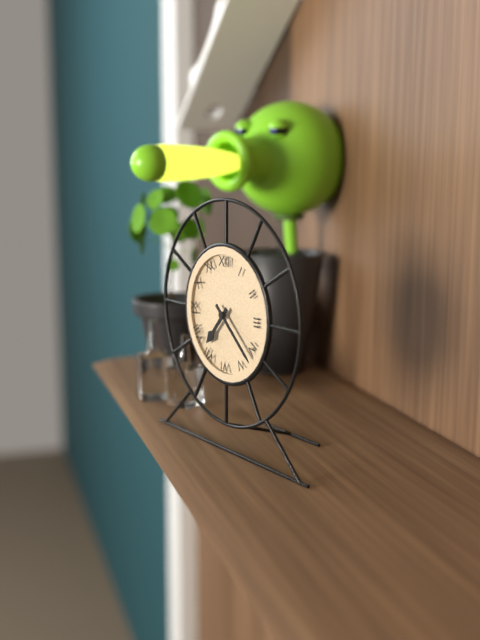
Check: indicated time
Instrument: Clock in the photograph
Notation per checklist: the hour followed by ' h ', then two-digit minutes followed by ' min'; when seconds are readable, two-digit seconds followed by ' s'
7 h 22 min
